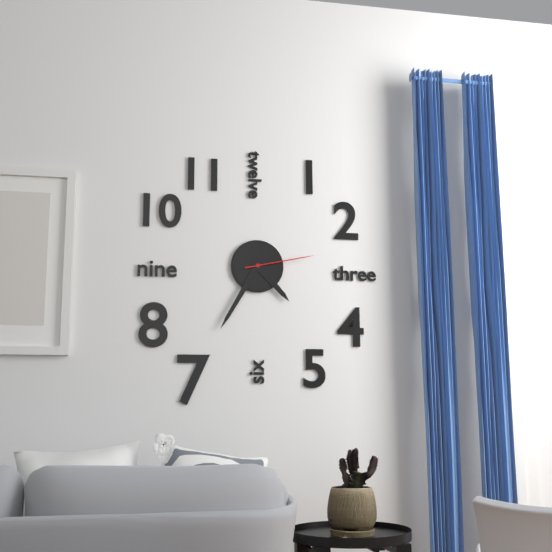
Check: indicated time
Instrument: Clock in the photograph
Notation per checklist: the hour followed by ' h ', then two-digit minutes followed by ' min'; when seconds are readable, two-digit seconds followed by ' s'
4 h 35 min 13 s
